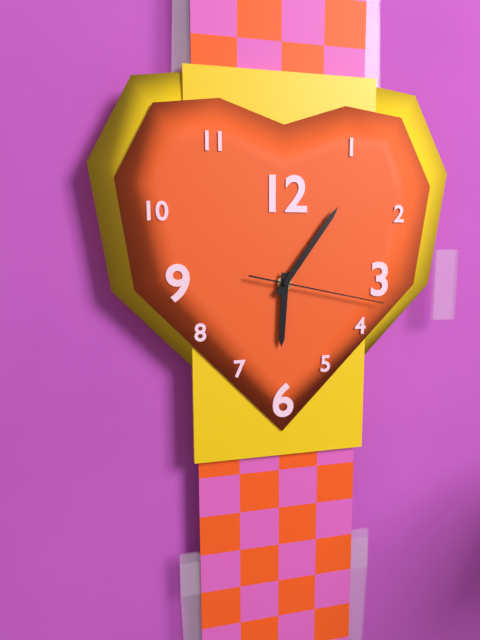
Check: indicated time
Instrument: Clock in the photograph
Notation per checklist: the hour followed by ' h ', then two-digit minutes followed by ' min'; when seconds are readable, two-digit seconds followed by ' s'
6 h 06 min 17 s
